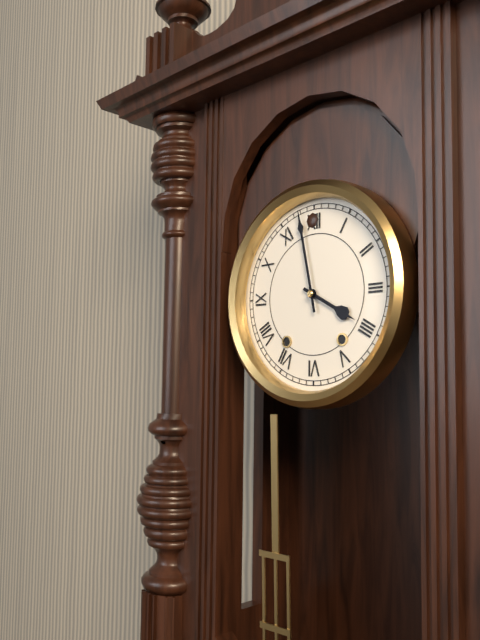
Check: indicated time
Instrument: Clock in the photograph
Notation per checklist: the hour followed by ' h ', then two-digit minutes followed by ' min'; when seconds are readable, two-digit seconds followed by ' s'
3 h 58 min
